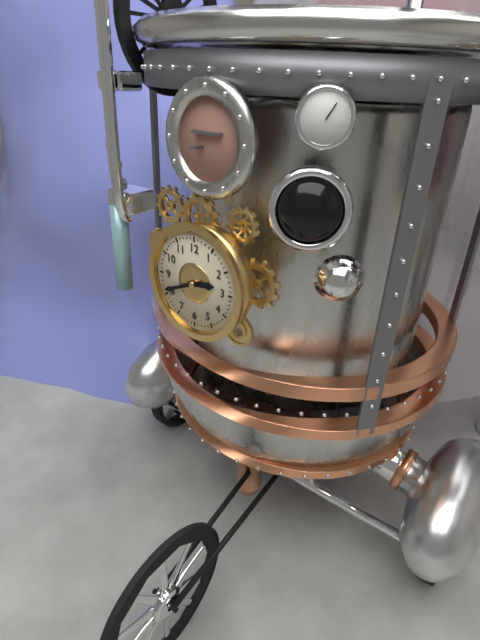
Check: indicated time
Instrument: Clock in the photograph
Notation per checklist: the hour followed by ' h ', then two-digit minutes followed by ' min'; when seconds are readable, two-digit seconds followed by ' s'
2 h 41 min
